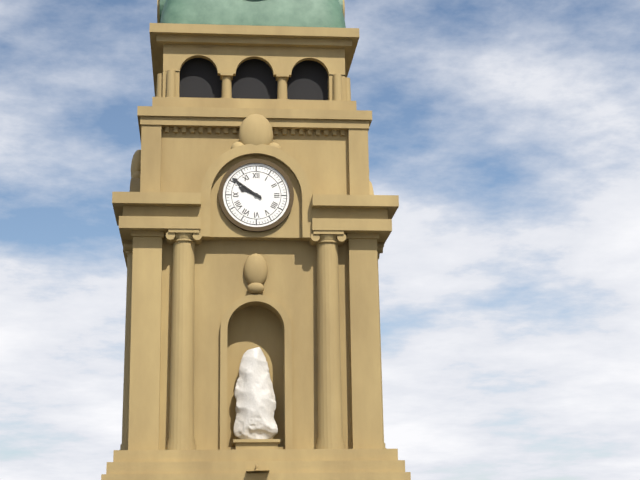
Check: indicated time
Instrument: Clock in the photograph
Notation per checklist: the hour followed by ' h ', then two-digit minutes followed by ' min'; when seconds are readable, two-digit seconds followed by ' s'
9 h 51 min
